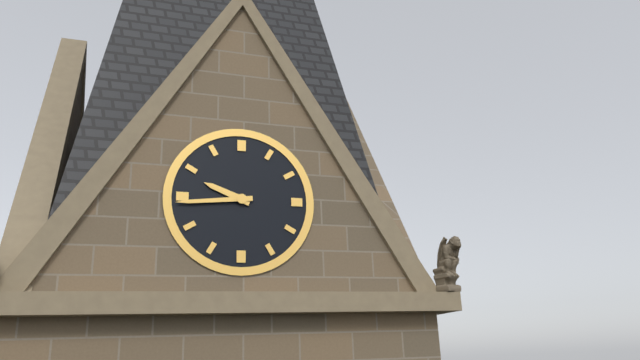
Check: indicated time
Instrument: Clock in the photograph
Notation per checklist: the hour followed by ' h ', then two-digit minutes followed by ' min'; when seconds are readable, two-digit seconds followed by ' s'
9 h 44 min
